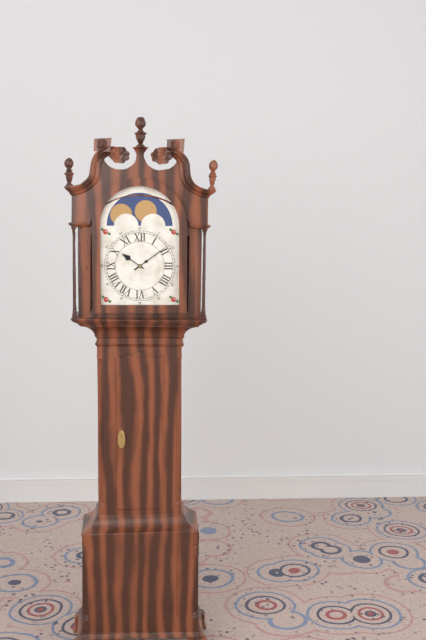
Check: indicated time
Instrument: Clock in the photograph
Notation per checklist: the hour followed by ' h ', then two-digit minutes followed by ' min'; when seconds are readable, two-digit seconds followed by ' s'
10 h 09 min
